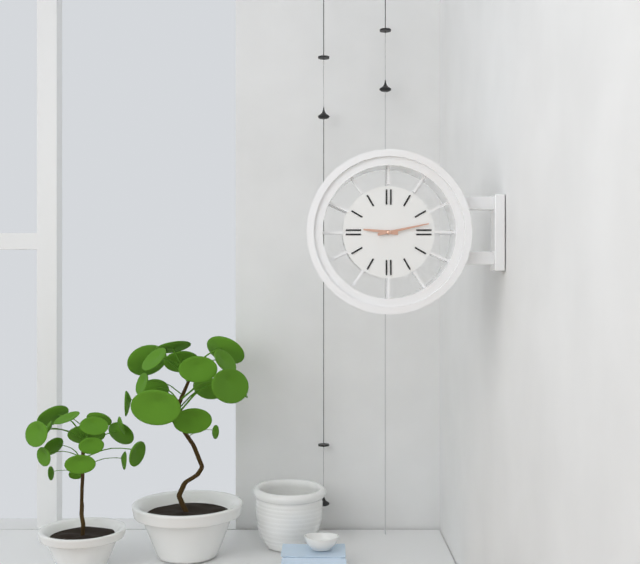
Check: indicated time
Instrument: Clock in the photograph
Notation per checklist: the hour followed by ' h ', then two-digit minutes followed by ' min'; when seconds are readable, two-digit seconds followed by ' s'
9 h 13 min
